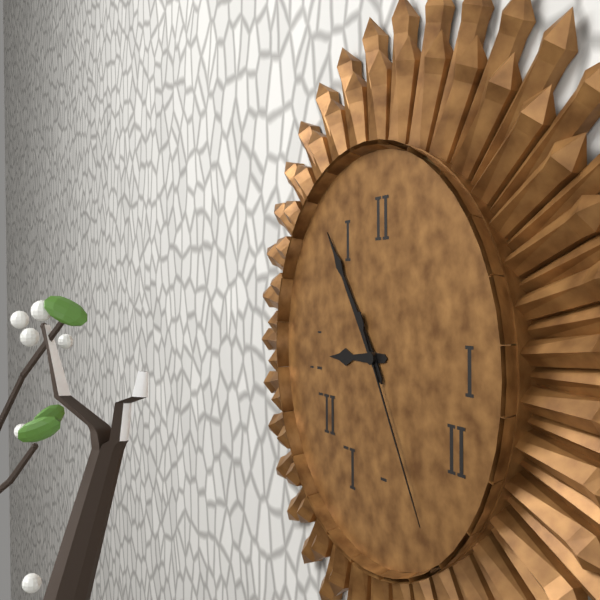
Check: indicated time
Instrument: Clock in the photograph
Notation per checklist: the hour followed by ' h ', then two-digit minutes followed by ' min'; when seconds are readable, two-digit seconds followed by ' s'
8 h 54 min 25 s
